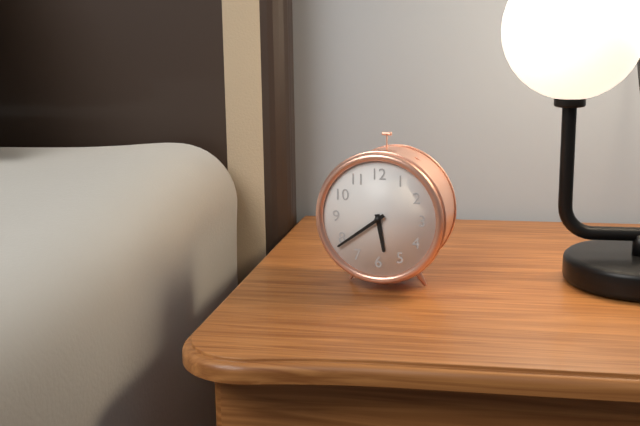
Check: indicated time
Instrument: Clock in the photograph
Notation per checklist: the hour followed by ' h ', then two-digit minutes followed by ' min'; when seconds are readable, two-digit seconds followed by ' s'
5 h 39 min
